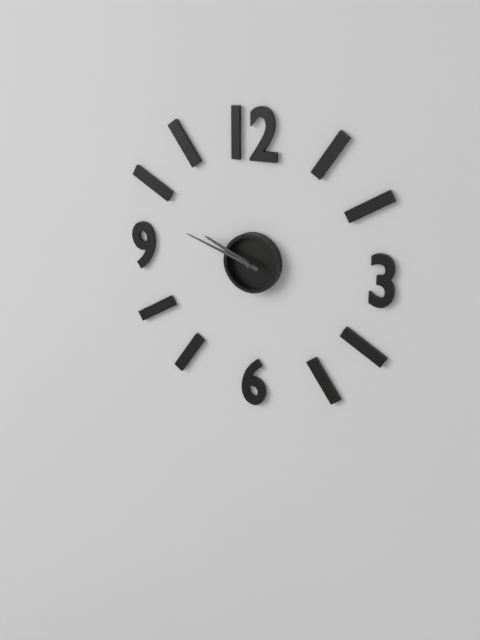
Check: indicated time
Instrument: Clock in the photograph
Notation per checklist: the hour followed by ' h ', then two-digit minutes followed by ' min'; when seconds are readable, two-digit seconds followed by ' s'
9 h 48 min
